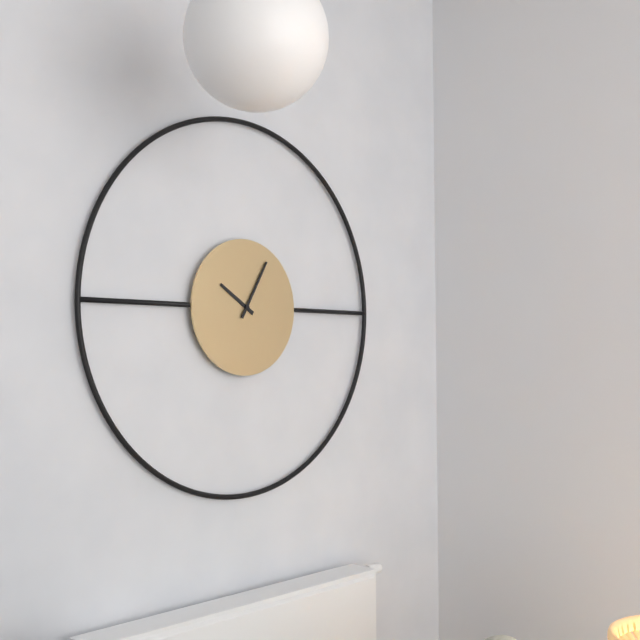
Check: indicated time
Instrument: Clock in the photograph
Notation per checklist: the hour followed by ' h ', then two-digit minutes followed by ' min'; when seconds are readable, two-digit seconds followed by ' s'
10 h 05 min
